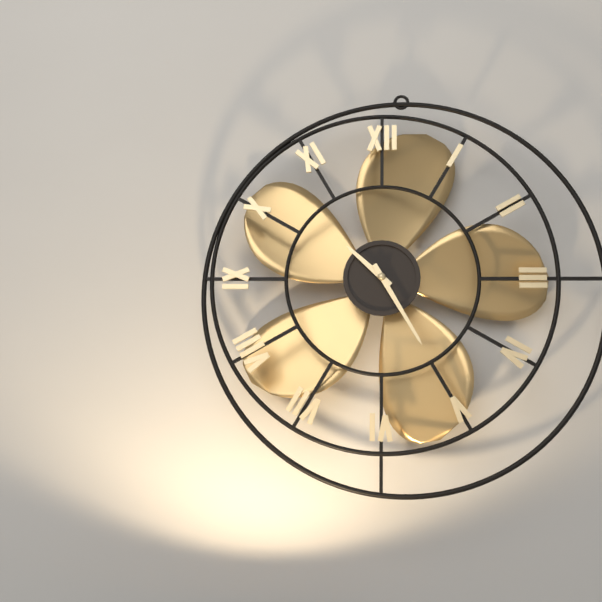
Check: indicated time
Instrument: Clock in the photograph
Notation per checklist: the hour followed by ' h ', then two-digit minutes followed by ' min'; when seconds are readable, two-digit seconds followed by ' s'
10 h 25 min
